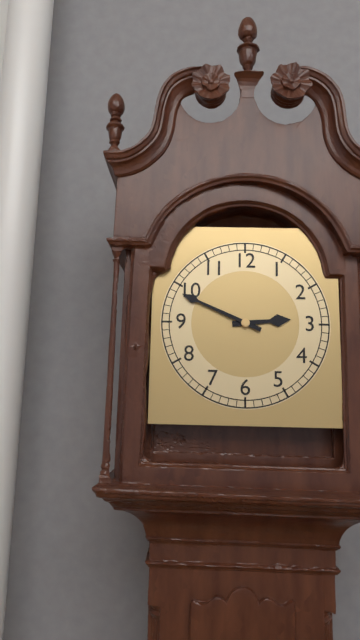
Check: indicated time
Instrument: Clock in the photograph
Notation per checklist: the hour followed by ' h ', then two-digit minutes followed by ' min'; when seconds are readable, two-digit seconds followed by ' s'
2 h 49 min
